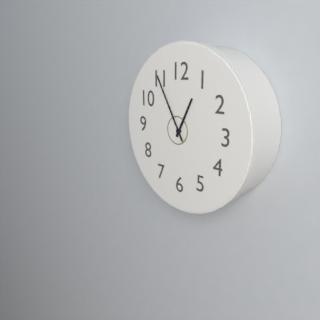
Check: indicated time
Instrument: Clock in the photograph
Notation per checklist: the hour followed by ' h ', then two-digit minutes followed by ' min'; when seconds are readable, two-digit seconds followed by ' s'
12 h 55 min
